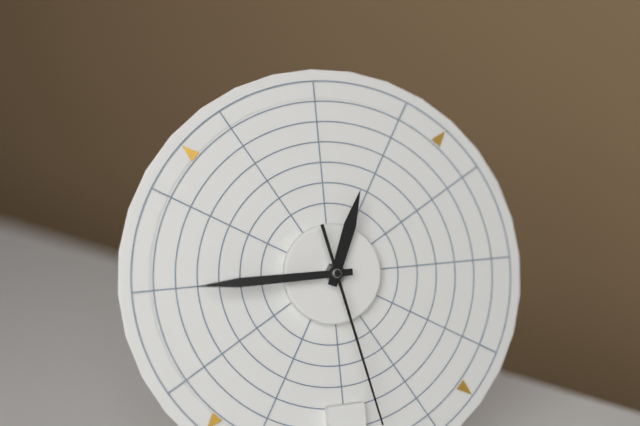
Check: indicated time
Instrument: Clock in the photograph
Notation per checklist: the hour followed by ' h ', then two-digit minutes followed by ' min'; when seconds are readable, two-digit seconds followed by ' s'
12 h 45 min 28 s
